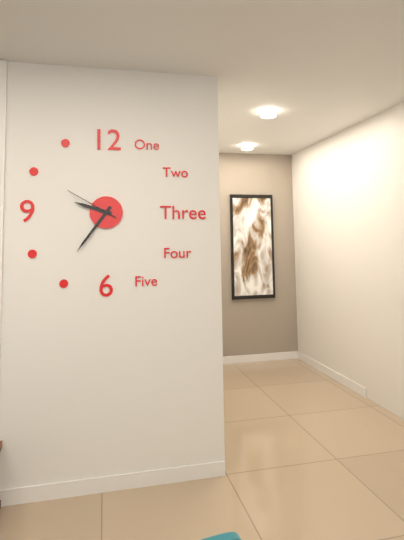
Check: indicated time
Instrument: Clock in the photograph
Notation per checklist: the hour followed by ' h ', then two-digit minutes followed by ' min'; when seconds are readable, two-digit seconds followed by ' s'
9 h 36 min 50 s
